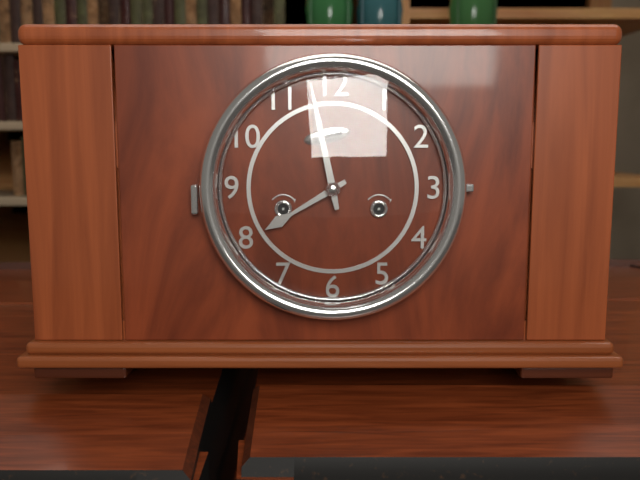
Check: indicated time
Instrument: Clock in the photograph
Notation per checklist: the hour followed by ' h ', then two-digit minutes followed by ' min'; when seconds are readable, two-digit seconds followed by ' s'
7 h 58 min
